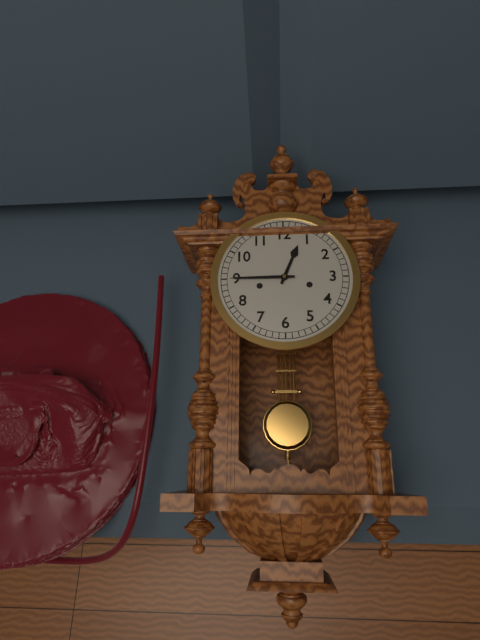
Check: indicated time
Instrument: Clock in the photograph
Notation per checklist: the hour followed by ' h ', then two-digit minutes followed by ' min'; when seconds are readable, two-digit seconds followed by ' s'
12 h 45 min
